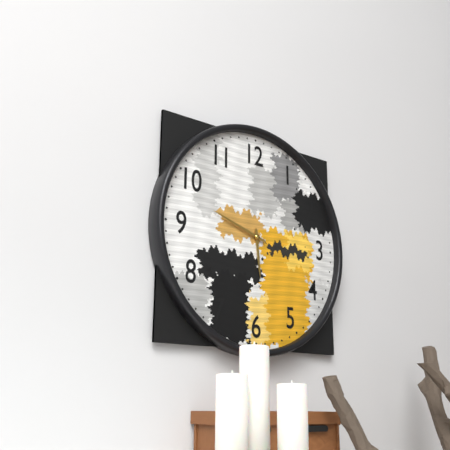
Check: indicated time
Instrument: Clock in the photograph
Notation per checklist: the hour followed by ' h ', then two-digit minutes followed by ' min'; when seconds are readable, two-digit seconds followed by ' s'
5 h 48 min
